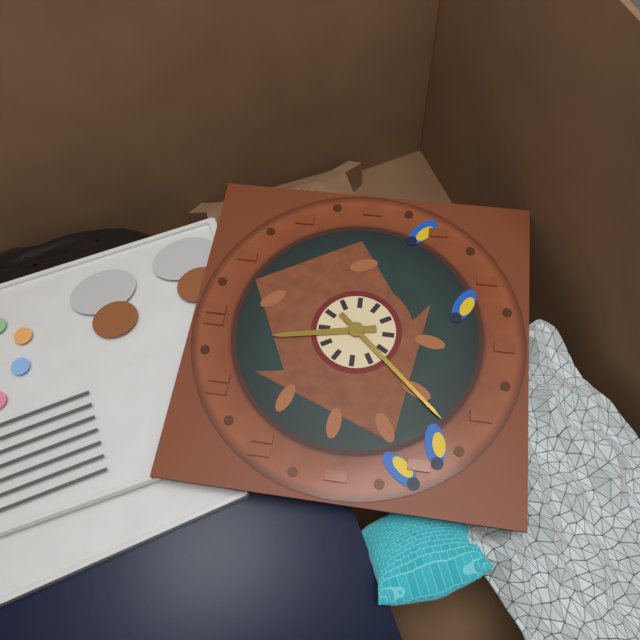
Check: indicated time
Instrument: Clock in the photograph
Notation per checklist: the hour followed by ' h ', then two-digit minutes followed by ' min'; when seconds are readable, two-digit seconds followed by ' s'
11 h 37 min
